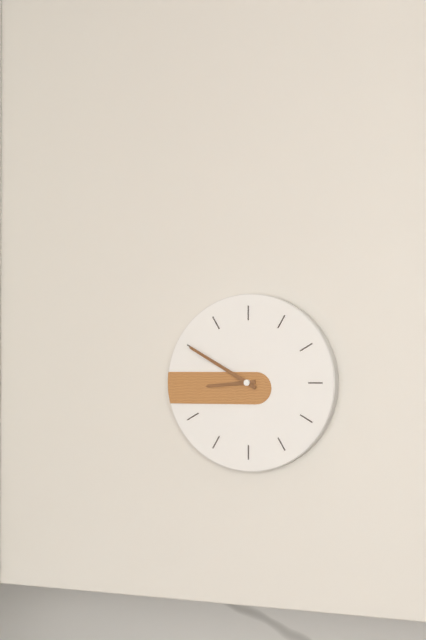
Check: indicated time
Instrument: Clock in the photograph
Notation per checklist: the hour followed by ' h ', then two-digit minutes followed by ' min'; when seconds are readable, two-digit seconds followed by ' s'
8 h 50 min
